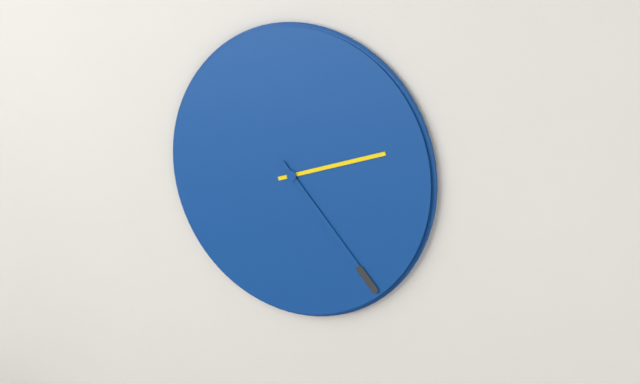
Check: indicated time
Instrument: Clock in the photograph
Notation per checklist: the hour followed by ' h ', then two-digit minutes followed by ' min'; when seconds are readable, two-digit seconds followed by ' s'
2 h 23 min
